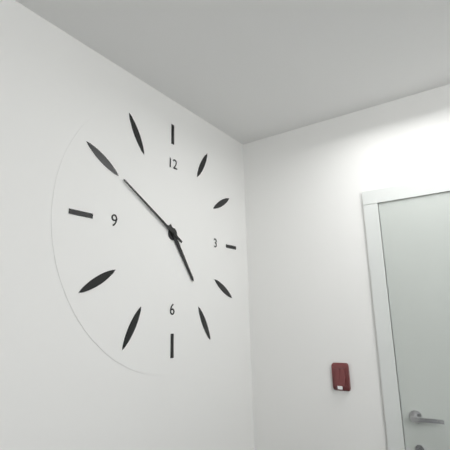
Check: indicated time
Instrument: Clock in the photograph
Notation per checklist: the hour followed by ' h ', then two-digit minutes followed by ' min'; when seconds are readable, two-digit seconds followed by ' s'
4 h 50 min
